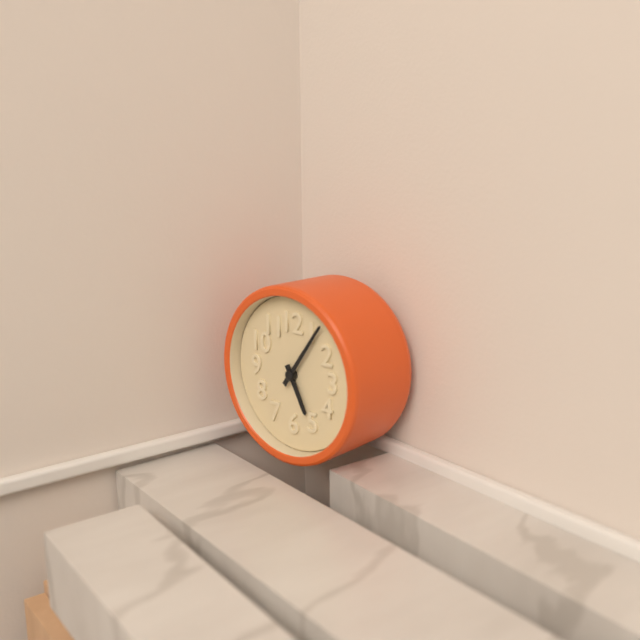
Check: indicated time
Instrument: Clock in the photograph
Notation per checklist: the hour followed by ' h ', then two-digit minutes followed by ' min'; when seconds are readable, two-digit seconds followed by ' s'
5 h 06 min
